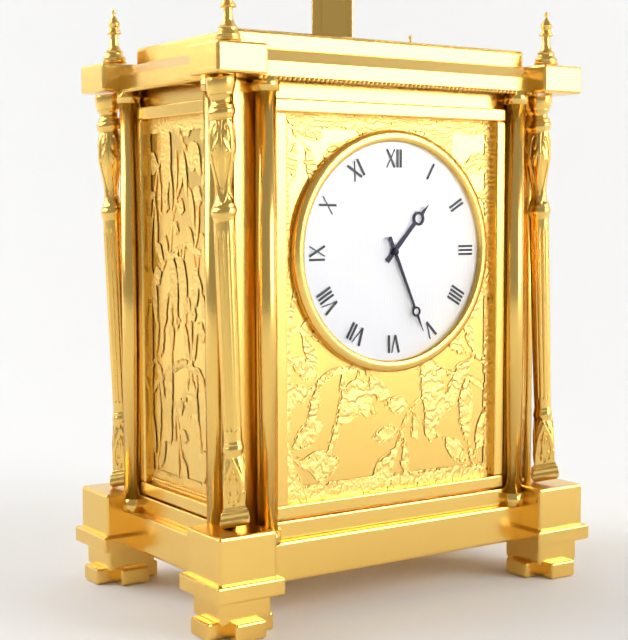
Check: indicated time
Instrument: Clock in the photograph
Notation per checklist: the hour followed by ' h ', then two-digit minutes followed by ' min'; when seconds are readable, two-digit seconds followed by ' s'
1 h 26 min
